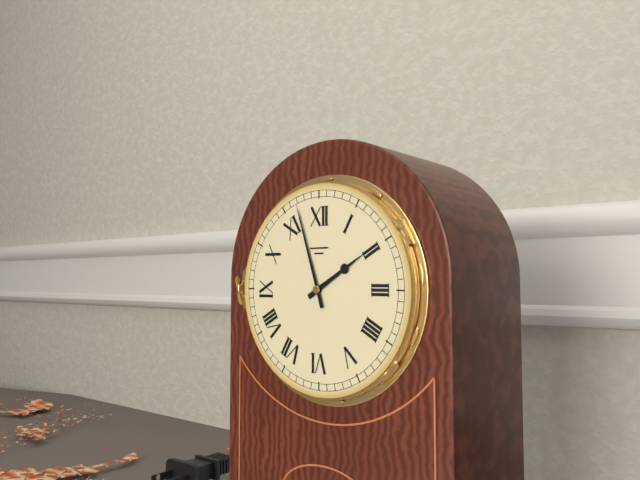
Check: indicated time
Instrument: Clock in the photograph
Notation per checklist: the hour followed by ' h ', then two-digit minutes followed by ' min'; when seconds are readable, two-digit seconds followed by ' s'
1 h 57 min
